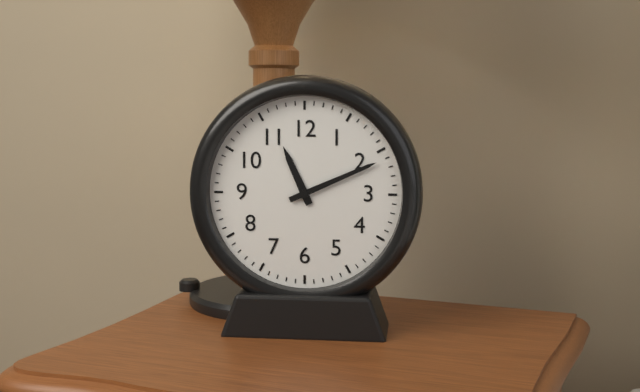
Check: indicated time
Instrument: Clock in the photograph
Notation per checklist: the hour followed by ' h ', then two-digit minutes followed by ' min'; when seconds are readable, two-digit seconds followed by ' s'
11 h 11 min
